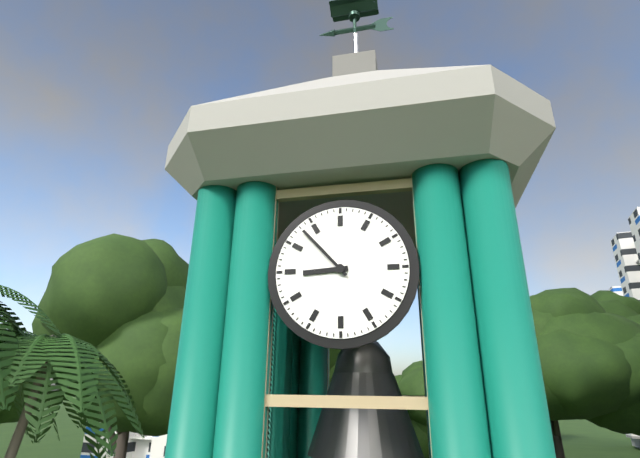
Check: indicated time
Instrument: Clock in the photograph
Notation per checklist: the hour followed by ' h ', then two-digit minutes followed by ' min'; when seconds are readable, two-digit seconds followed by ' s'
8 h 53 min
